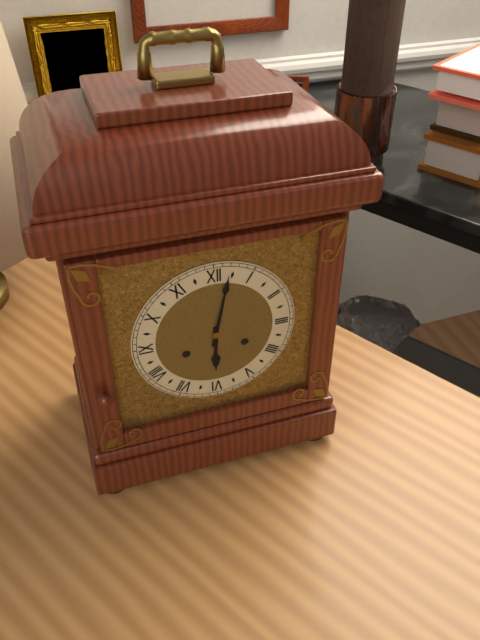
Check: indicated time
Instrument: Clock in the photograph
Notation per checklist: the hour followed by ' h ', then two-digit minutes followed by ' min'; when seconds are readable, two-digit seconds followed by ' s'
6 h 02 min
